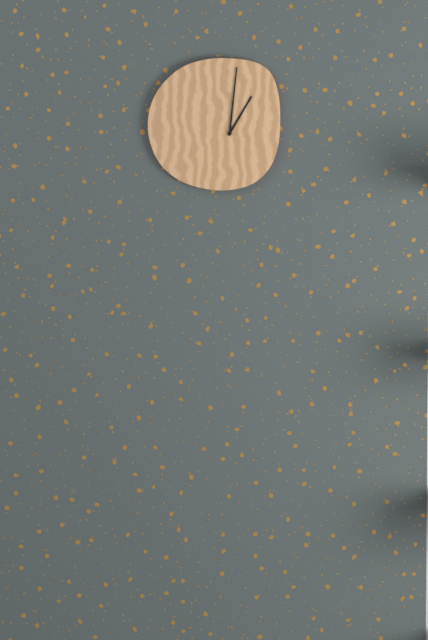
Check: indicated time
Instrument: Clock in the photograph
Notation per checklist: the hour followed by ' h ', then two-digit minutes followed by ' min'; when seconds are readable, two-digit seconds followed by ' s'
1 h 01 min
